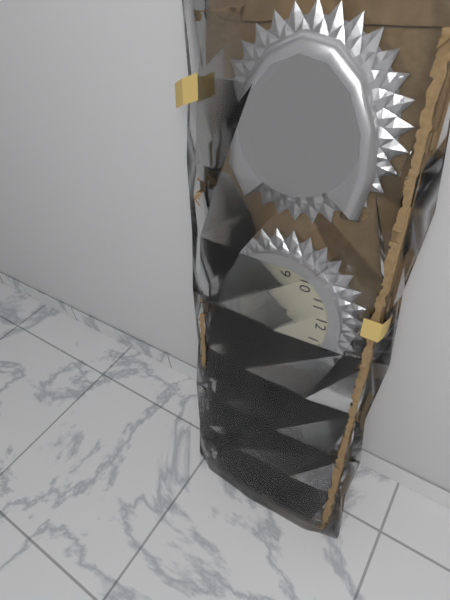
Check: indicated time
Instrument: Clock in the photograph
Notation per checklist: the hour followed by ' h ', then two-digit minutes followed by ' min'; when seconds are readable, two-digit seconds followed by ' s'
5 h 36 min
